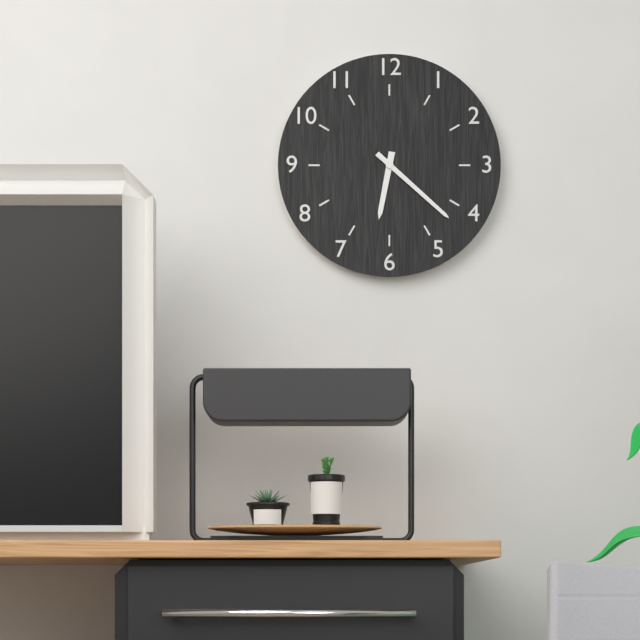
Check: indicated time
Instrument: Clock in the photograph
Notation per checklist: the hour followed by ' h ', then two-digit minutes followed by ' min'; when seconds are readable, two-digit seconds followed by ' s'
6 h 22 min
